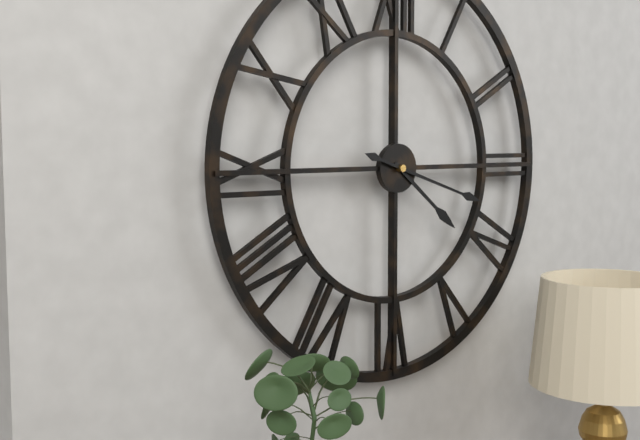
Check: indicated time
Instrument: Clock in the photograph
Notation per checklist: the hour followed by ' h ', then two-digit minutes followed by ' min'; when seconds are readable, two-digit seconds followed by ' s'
4 h 18 min
